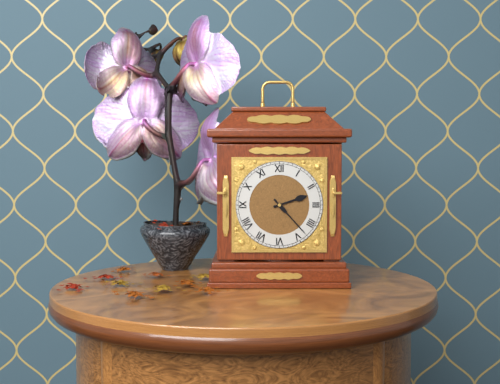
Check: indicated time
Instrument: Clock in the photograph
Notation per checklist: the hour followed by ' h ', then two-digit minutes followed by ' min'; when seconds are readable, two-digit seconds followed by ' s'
2 h 23 min
